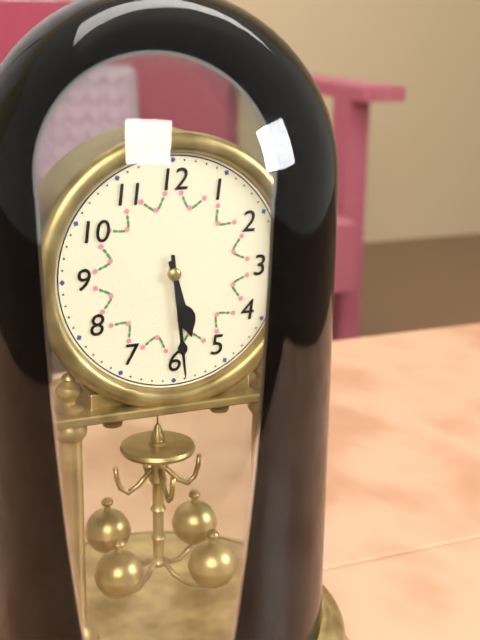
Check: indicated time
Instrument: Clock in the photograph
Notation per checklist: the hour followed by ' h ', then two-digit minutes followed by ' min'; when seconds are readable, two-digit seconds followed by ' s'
5 h 29 min
